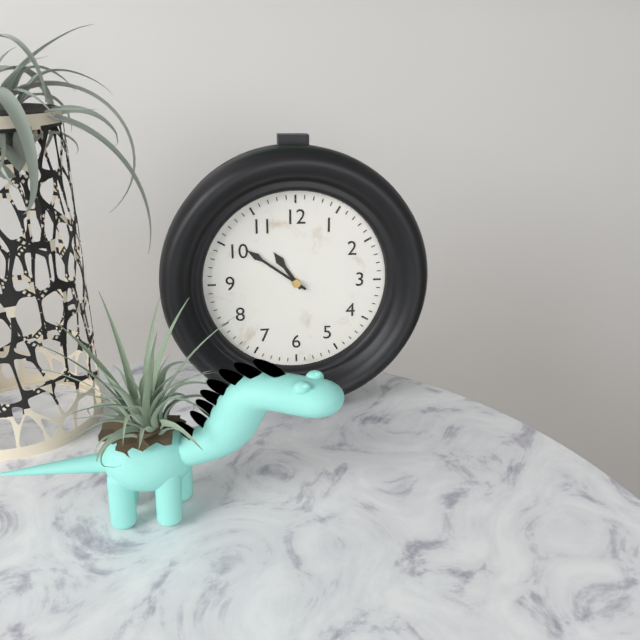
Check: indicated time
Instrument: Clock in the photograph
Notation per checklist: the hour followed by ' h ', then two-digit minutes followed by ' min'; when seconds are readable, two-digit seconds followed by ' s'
10 h 51 min
